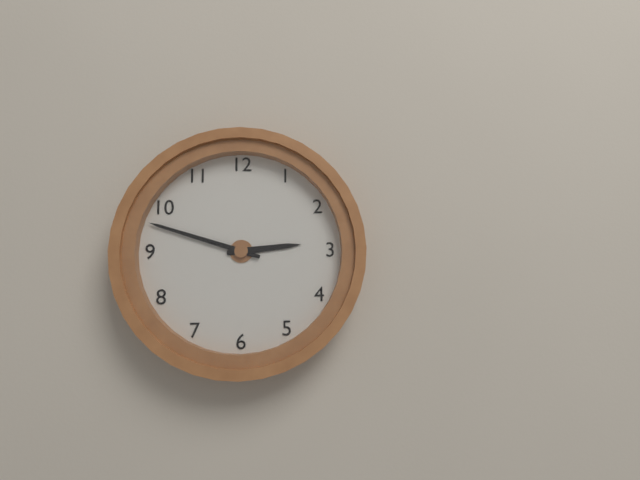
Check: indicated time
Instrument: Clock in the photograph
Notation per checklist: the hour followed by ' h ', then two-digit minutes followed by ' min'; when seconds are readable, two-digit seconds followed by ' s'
2 h 48 min
